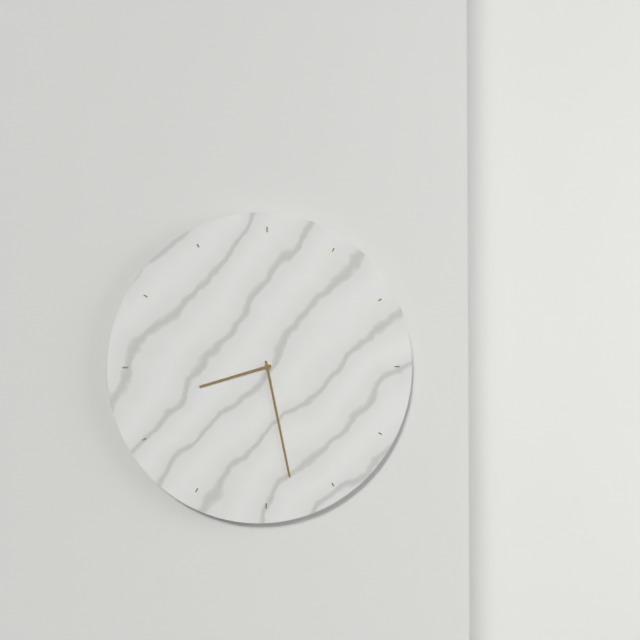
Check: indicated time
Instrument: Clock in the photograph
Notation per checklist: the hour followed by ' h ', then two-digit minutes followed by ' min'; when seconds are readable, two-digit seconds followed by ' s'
8 h 28 min
